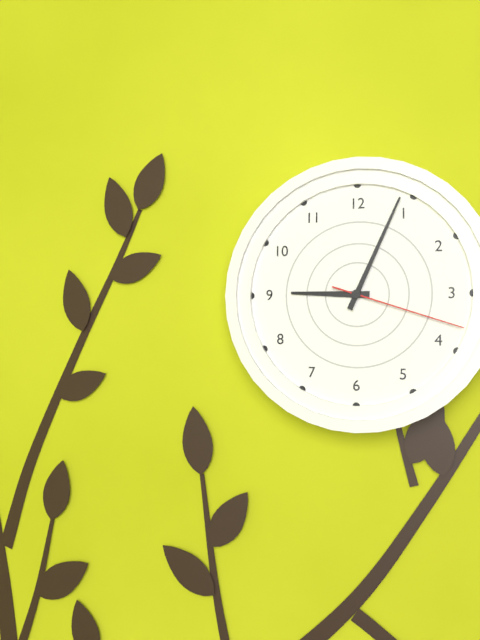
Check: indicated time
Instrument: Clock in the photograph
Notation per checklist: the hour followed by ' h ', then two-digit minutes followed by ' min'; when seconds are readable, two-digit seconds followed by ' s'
9 h 04 min 18 s
